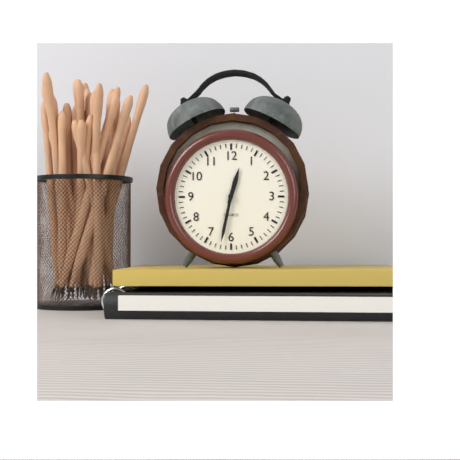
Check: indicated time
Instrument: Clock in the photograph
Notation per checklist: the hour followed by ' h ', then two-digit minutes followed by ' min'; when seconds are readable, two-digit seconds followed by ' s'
12 h 32 min
